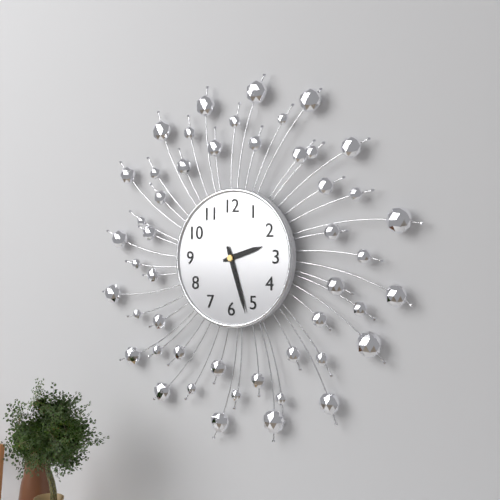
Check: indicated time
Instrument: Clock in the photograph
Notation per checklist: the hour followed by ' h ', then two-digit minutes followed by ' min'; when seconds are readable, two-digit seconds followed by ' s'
2 h 27 min
